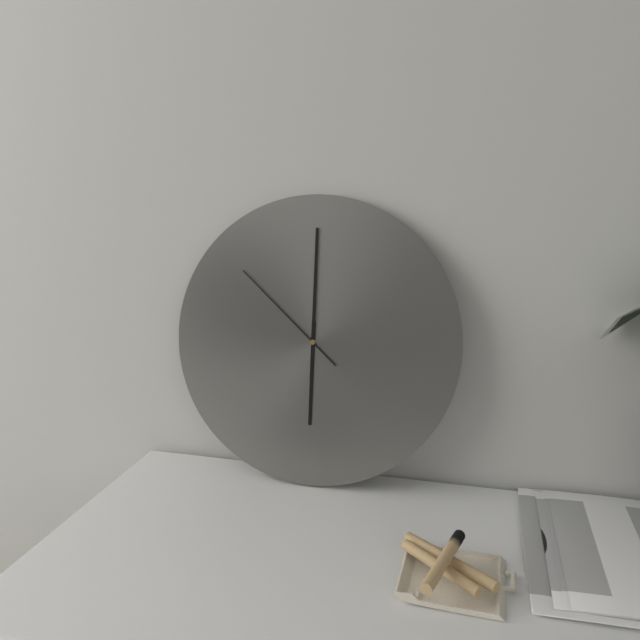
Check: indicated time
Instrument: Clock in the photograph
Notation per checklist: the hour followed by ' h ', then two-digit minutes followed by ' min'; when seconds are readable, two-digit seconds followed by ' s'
6 h 00 min 52 s
